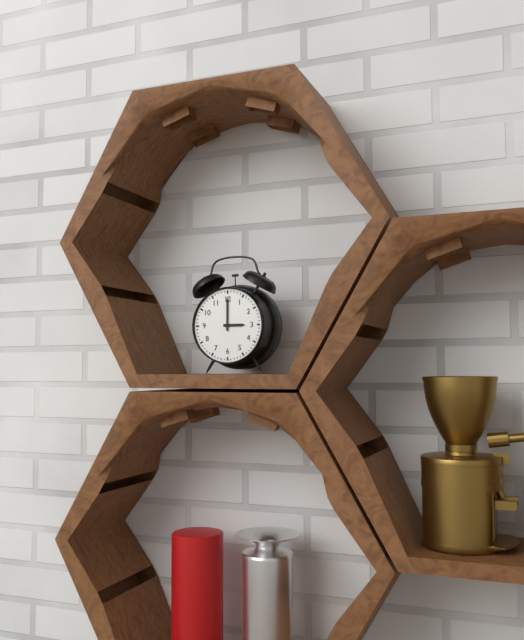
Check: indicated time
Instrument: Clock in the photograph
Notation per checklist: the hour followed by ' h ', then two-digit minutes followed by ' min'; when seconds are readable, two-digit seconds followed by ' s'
3 h 00 min
